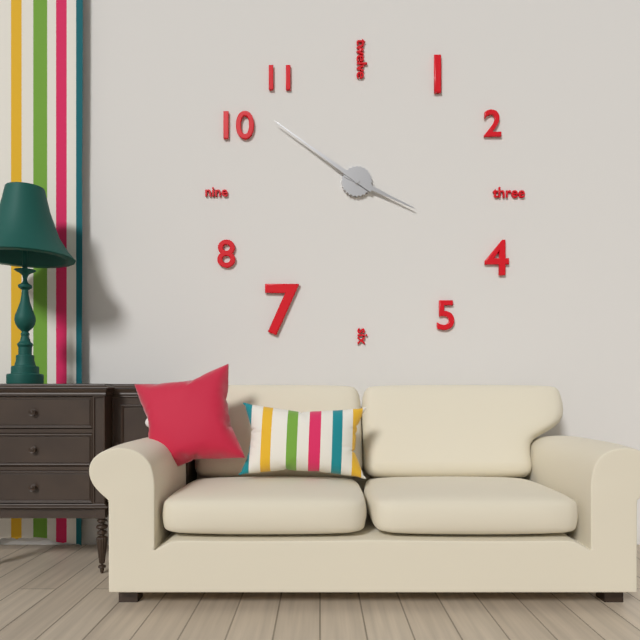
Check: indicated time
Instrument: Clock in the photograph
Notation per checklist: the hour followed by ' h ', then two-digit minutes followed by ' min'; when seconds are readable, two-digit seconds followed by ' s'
3 h 51 min
